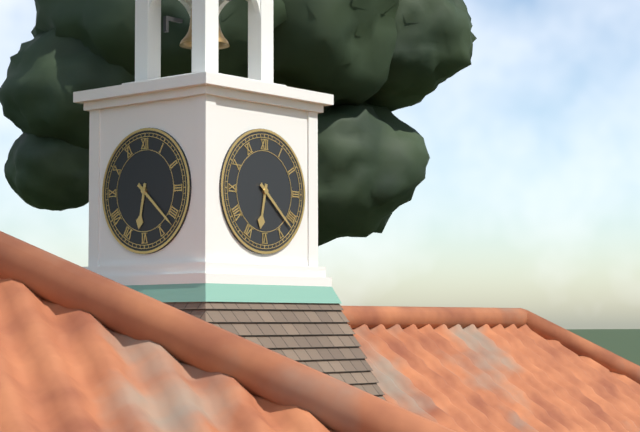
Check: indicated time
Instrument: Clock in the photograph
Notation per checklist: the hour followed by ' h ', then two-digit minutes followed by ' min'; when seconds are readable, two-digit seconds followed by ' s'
6 h 22 min
